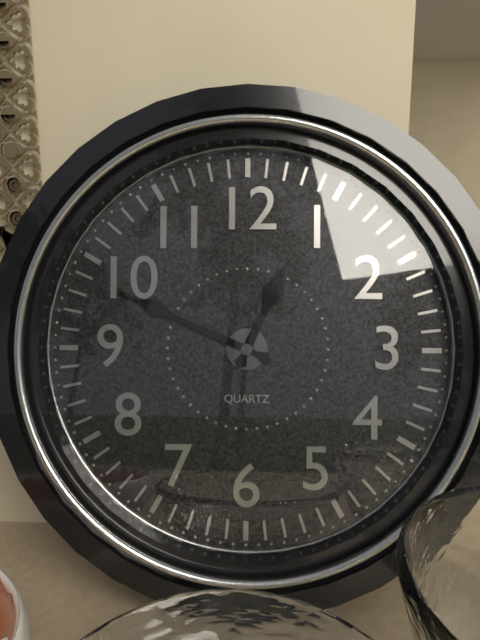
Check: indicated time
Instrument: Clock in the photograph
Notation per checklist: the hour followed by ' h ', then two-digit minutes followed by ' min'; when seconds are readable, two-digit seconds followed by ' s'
12 h 49 min
